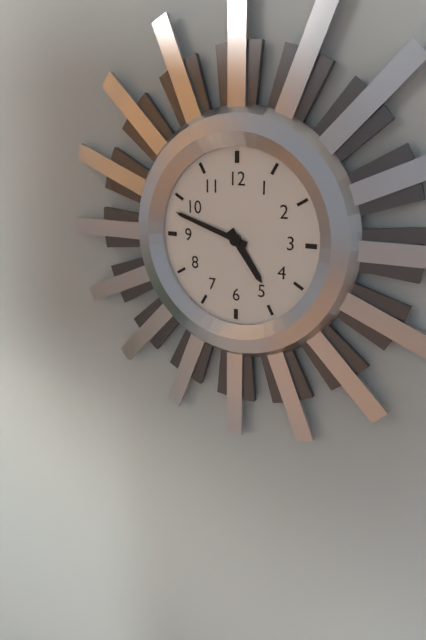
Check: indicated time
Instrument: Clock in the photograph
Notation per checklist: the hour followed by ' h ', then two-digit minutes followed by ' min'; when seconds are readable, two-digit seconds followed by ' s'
4 h 48 min
